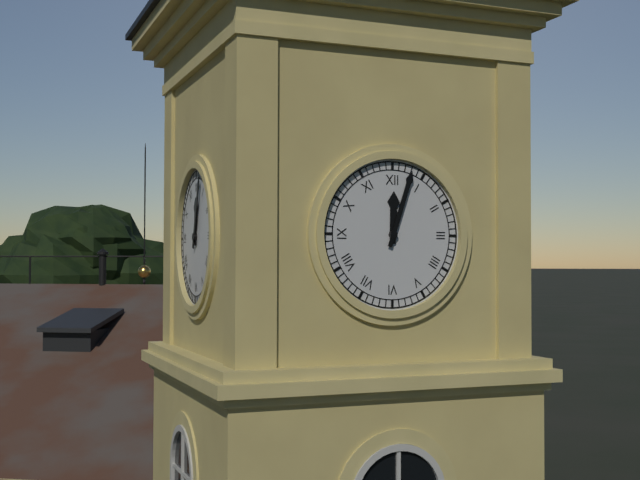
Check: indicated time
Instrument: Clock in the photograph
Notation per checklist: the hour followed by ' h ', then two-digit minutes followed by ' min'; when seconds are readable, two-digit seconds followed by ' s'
12 h 03 min
